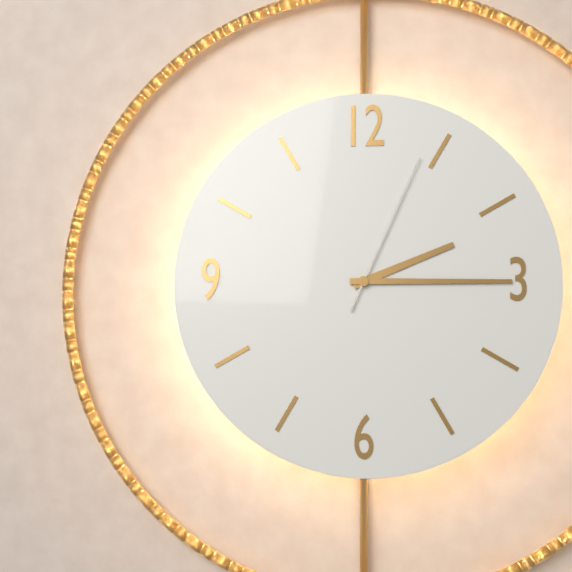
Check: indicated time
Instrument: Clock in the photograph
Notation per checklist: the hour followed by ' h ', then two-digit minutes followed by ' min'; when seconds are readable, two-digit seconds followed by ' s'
2 h 15 min 04 s
